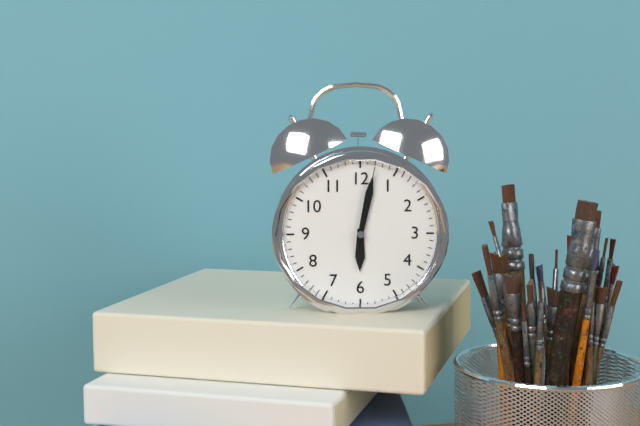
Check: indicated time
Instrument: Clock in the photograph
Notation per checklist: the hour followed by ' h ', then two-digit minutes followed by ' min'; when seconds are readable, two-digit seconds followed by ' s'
6 h 02 min 02 s
